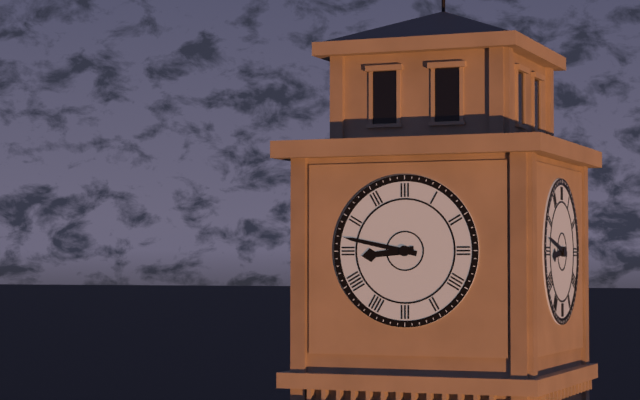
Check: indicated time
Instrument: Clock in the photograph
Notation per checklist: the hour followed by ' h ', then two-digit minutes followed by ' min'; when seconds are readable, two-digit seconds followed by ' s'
8 h 47 min
